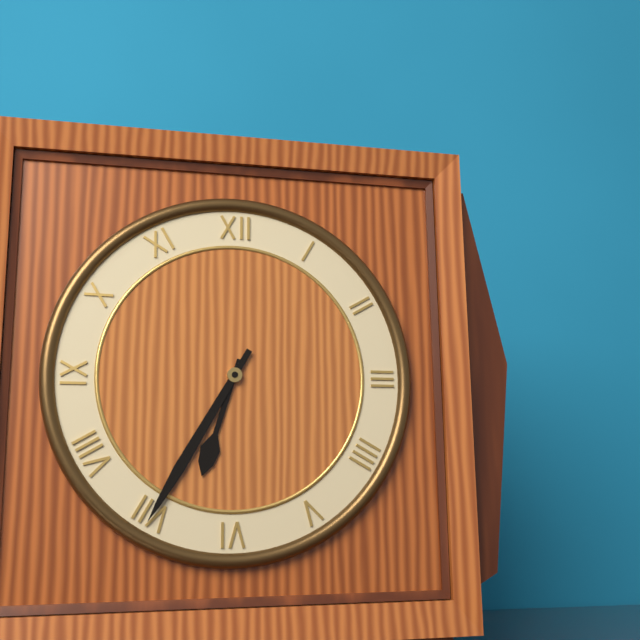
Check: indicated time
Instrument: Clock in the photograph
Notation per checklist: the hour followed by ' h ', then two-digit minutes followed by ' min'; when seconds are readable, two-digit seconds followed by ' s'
6 h 35 min
